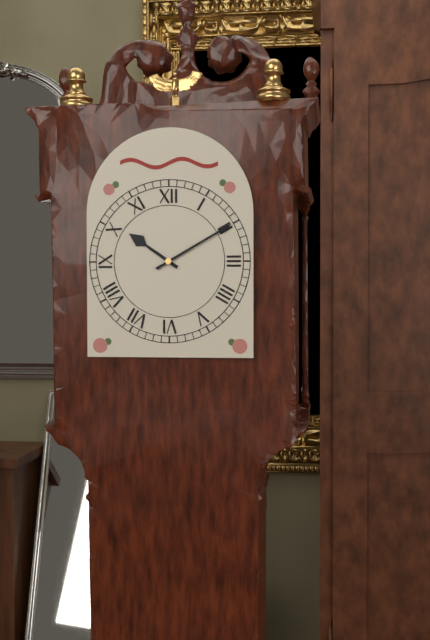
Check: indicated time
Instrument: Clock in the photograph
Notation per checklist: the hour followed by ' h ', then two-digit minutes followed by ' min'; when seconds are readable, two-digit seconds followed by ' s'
10 h 10 min
